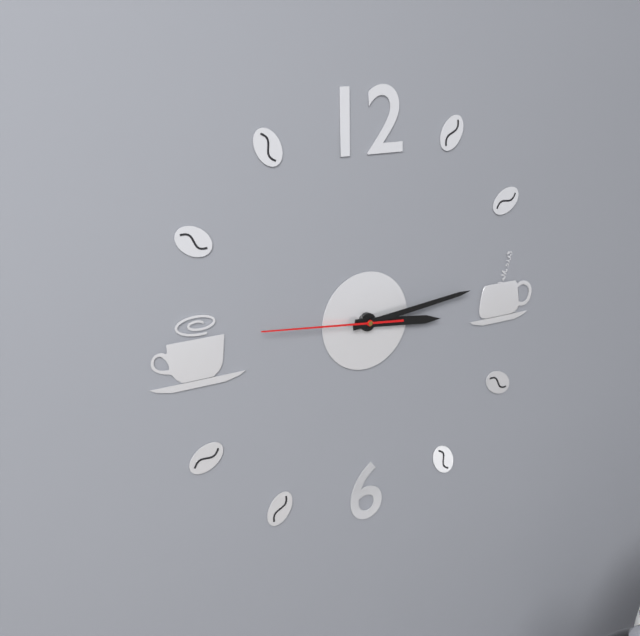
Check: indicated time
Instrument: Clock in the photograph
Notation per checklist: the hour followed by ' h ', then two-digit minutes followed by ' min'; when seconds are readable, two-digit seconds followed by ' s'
3 h 14 min 46 s
